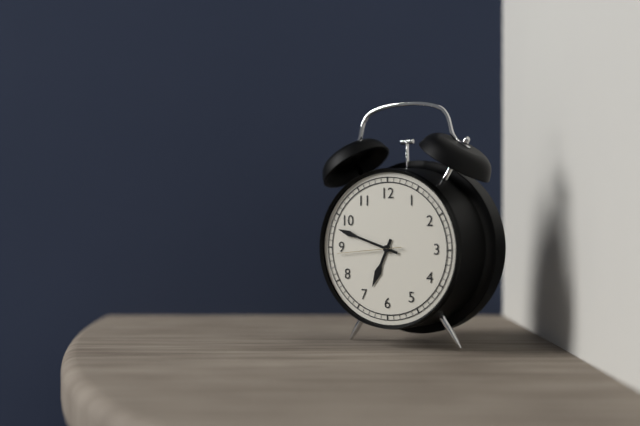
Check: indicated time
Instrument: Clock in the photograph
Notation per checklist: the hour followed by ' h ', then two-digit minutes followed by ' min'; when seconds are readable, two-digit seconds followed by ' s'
6 h 48 min 44 s
